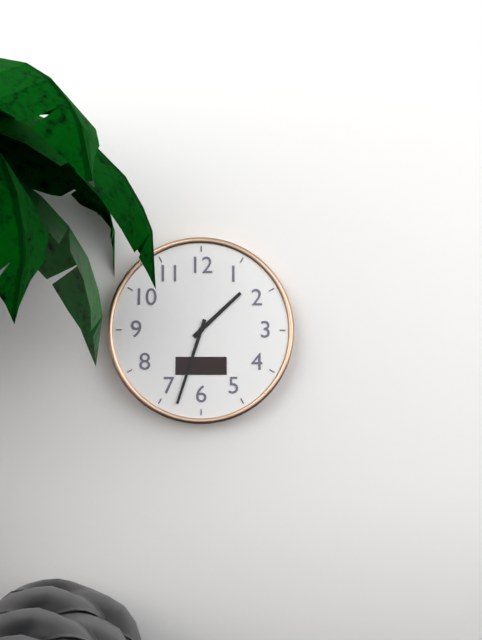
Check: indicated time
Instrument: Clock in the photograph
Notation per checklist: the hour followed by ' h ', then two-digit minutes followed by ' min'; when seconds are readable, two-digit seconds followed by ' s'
1 h 33 min
